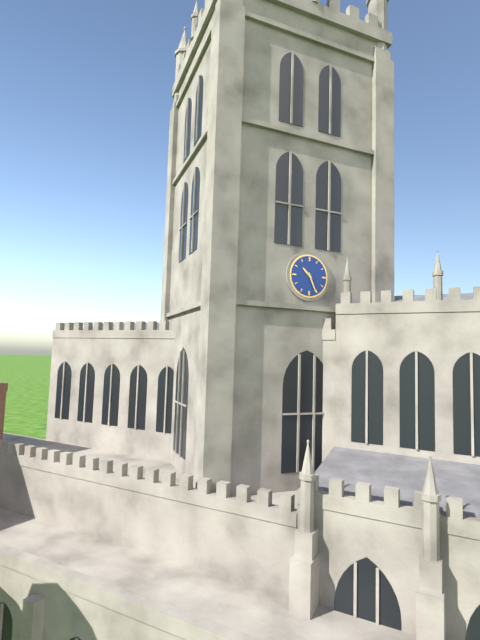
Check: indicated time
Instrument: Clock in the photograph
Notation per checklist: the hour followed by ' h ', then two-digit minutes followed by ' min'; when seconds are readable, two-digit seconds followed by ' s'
10 h 26 min
